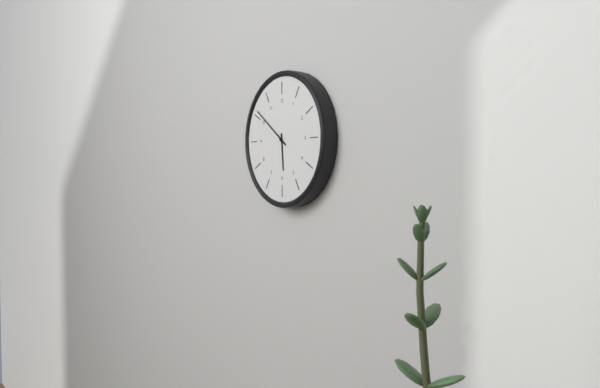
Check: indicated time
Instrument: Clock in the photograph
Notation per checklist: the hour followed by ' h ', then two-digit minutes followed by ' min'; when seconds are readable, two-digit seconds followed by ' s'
5 h 51 min
